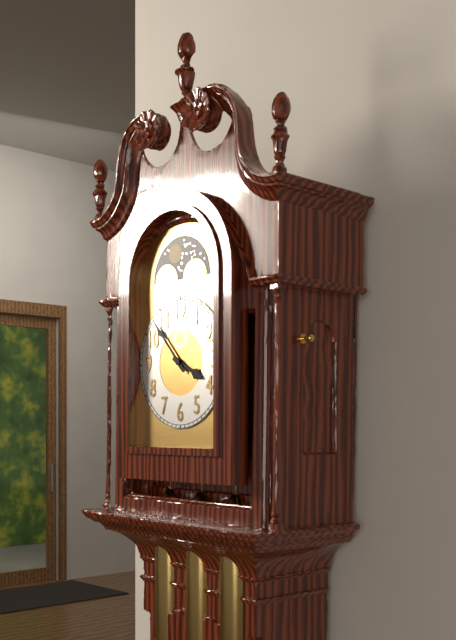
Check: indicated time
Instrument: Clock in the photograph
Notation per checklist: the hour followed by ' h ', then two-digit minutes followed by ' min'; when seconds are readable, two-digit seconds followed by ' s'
3 h 53 min
